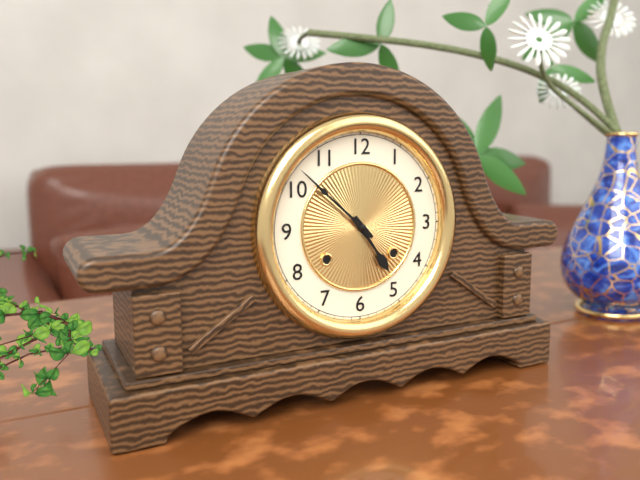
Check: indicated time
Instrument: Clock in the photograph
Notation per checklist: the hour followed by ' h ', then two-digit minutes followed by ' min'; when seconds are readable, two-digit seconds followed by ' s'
4 h 52 min
